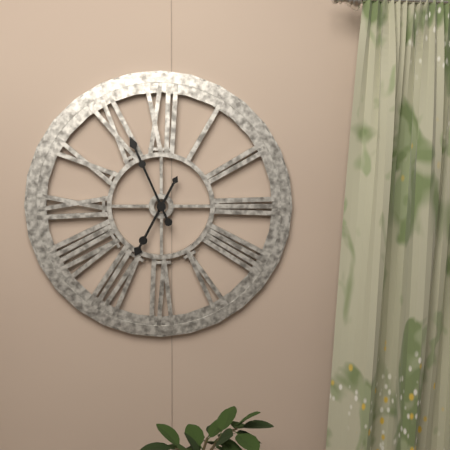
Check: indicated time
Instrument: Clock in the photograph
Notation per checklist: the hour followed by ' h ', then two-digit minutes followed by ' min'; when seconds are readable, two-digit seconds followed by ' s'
6 h 56 min
